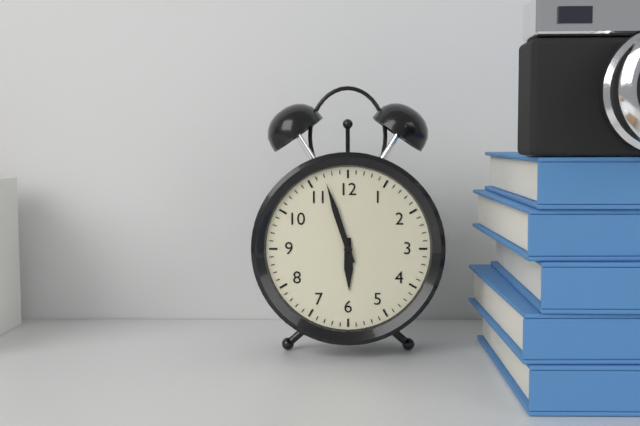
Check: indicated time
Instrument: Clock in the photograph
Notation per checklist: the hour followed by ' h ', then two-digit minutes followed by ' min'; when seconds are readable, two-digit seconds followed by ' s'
5 h 57 min
